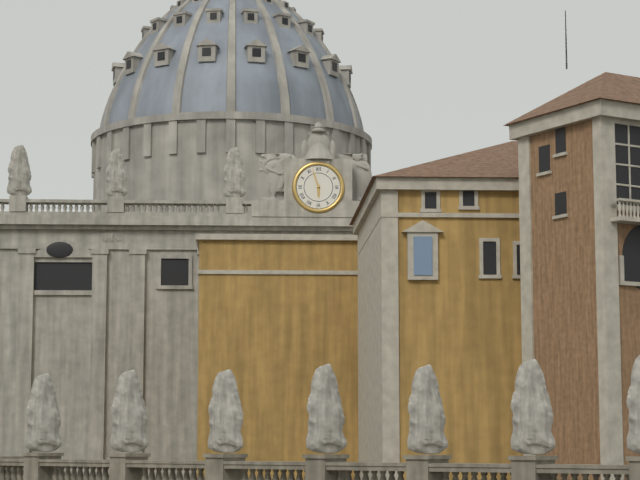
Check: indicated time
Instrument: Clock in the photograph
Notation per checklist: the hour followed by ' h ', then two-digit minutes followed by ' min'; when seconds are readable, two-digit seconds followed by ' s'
5 h 57 min
